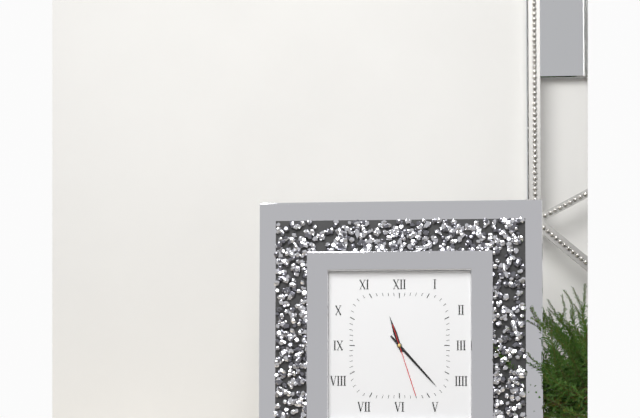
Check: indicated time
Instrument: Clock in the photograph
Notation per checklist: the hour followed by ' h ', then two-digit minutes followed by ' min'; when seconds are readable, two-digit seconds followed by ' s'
11 h 23 min 27 s
